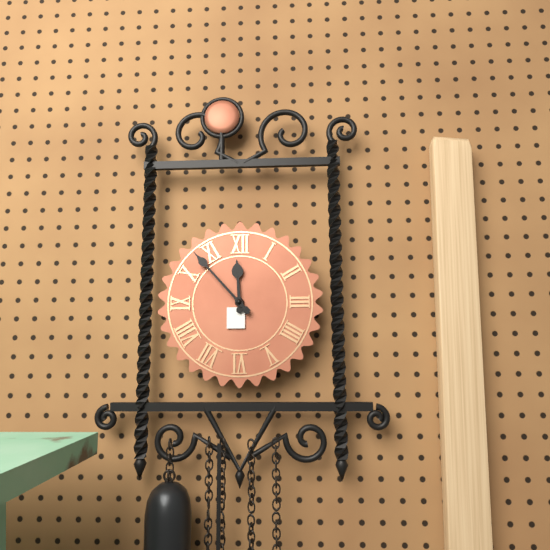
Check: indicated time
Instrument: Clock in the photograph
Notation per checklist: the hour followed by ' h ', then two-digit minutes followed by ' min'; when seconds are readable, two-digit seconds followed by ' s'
11 h 53 min
